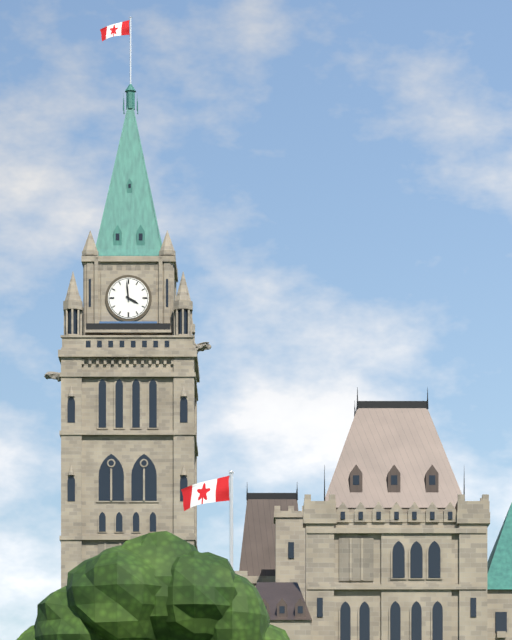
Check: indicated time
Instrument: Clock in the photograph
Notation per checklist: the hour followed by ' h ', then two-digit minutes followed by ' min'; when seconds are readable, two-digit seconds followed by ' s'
3 h 59 min
